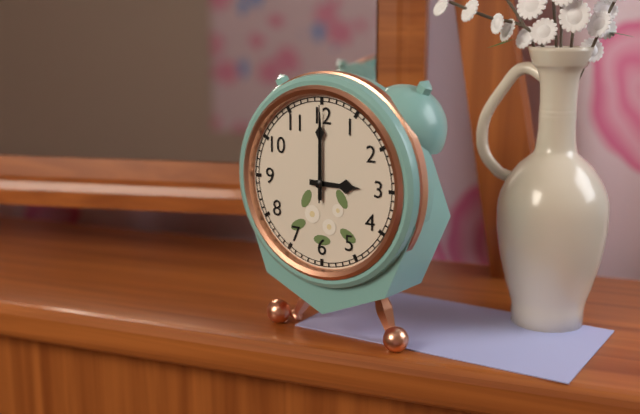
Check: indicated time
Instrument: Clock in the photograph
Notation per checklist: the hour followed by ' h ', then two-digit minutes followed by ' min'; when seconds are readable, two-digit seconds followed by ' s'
3 h 00 min 00 s
